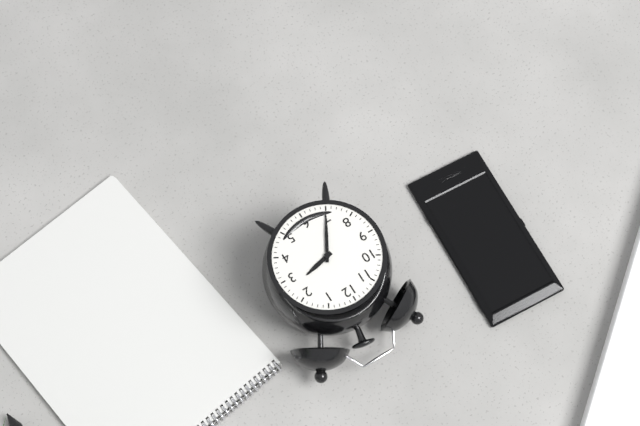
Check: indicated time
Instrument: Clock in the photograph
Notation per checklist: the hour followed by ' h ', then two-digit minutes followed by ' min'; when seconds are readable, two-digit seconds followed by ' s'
2 h 35 min
